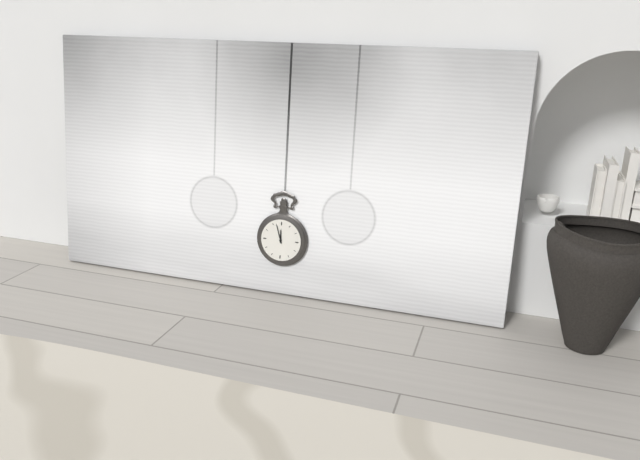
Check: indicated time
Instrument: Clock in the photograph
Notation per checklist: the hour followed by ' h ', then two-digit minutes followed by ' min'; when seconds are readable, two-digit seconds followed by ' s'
11 h 57 min
